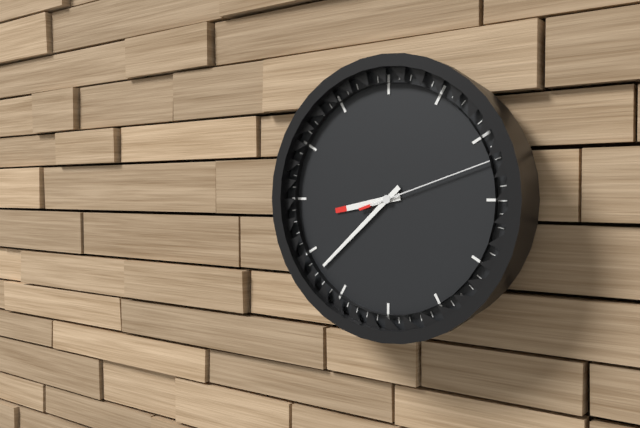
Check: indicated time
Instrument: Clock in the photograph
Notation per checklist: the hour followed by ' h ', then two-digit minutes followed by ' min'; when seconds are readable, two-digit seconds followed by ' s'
8 h 38 min 12 s
